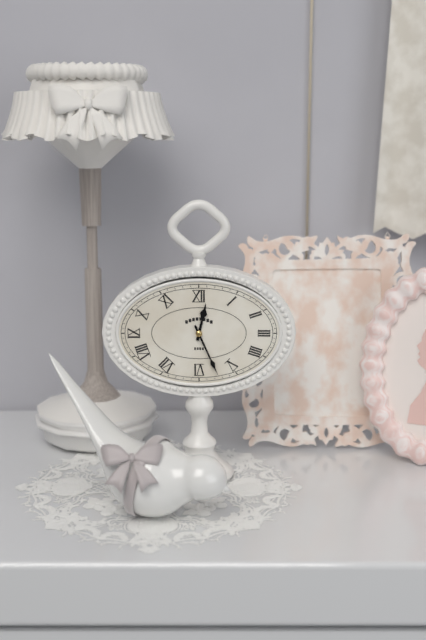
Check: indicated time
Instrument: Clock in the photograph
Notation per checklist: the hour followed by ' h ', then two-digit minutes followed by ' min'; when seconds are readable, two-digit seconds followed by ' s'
12 h 26 min
